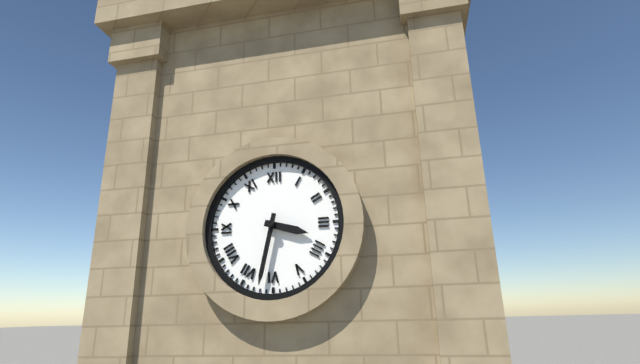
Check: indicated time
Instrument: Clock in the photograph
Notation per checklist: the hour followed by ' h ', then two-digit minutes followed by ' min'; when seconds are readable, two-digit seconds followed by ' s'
3 h 32 min
